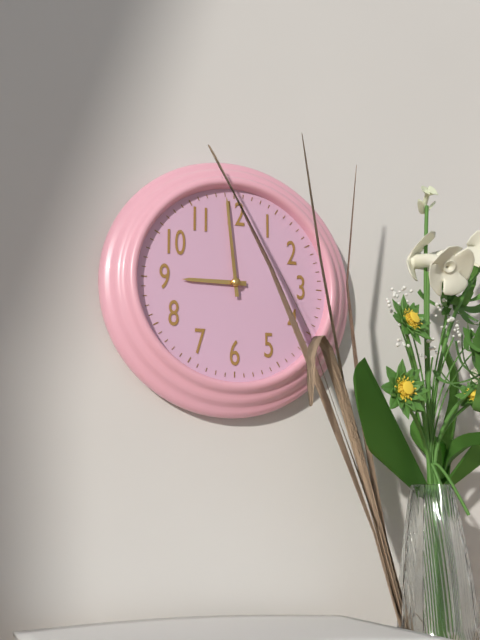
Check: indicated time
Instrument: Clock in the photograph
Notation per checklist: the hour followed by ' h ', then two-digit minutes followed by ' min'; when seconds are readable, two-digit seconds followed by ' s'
8 h 59 min
